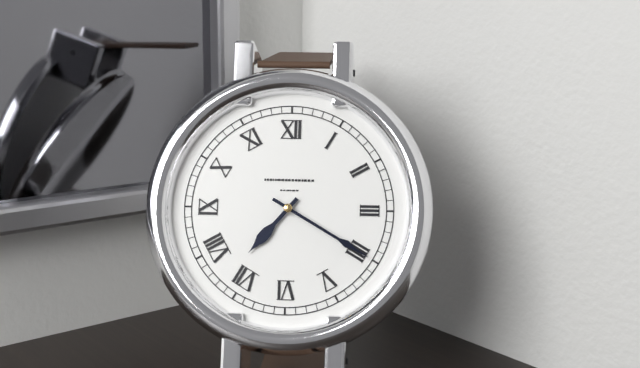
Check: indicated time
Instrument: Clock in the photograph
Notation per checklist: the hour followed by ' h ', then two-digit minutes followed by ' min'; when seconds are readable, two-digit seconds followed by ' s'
7 h 20 min
